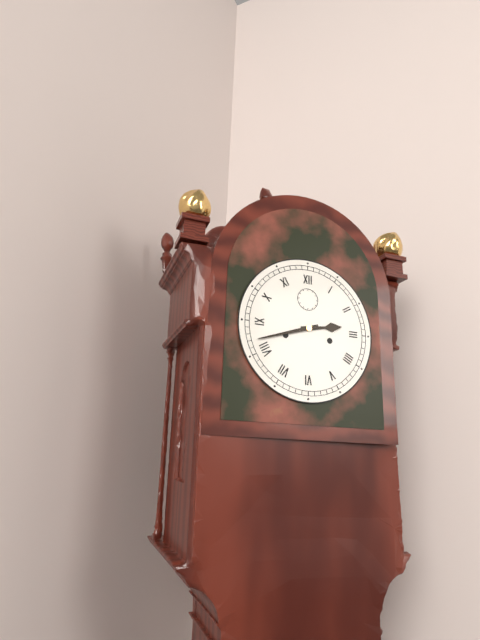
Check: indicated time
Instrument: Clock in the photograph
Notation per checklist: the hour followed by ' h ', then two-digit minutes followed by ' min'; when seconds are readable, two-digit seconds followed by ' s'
2 h 42 min
